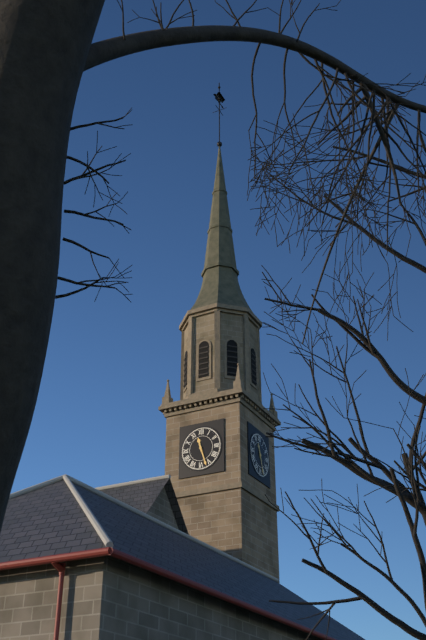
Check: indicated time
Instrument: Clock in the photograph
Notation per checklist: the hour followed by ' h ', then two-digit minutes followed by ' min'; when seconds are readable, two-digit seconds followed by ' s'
11 h 27 min
